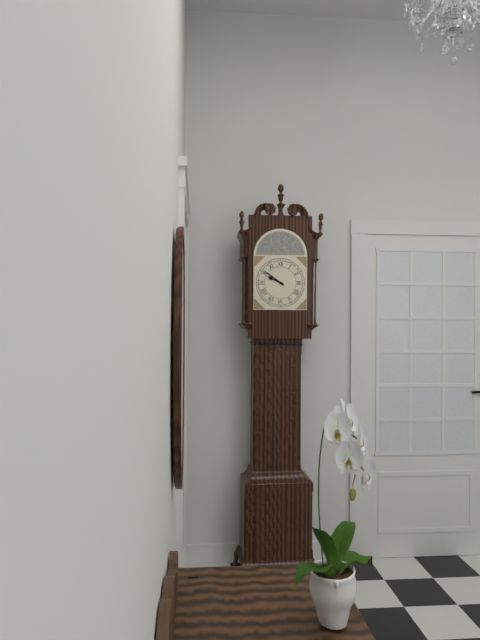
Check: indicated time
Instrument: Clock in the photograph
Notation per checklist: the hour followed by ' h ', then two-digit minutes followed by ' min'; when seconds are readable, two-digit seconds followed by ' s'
9 h 51 min
